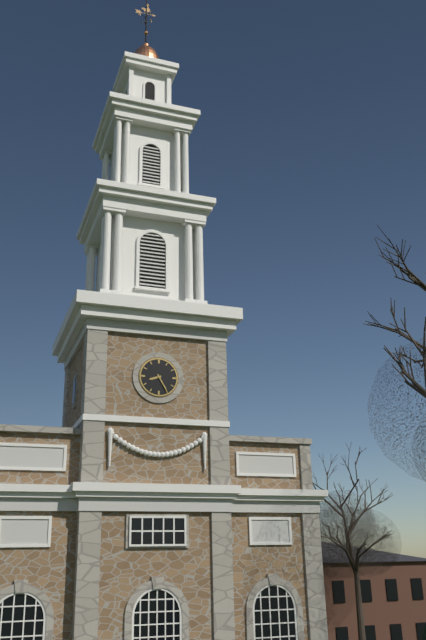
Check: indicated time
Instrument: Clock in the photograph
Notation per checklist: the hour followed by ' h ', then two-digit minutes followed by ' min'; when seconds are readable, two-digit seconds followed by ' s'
8 h 25 min
